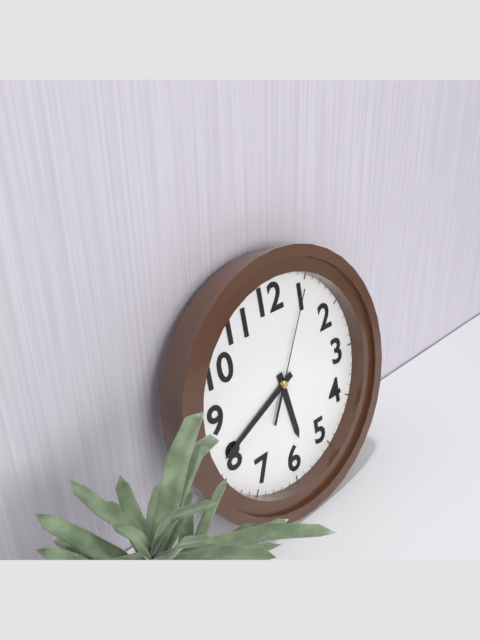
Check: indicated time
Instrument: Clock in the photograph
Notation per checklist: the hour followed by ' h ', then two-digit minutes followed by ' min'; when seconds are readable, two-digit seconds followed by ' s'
5 h 41 min 05 s
